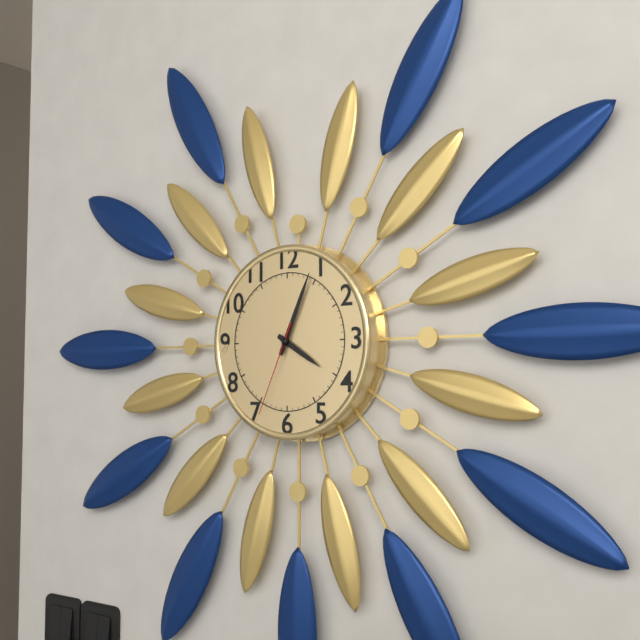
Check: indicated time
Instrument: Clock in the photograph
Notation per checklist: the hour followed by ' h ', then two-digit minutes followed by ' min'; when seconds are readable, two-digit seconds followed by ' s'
4 h 04 min 34 s
